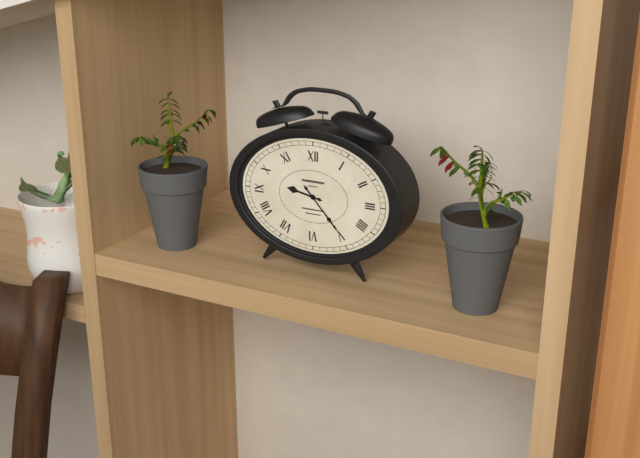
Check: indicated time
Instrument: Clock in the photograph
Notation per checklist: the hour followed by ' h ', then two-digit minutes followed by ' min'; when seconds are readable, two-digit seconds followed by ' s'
9 h 23 min
